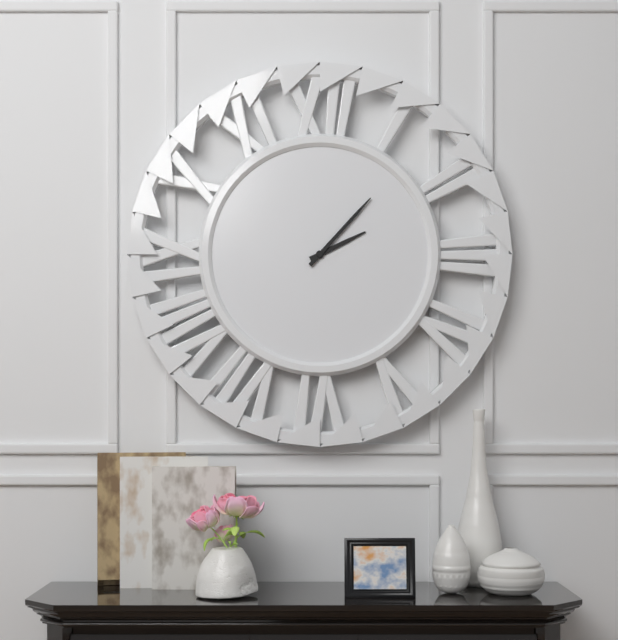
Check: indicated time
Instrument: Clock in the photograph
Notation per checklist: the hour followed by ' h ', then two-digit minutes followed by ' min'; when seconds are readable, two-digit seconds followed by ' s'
2 h 07 min
